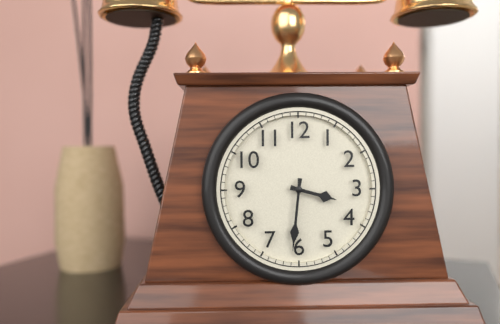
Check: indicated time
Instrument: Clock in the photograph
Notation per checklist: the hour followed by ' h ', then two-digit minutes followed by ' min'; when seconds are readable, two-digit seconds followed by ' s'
3 h 31 min
